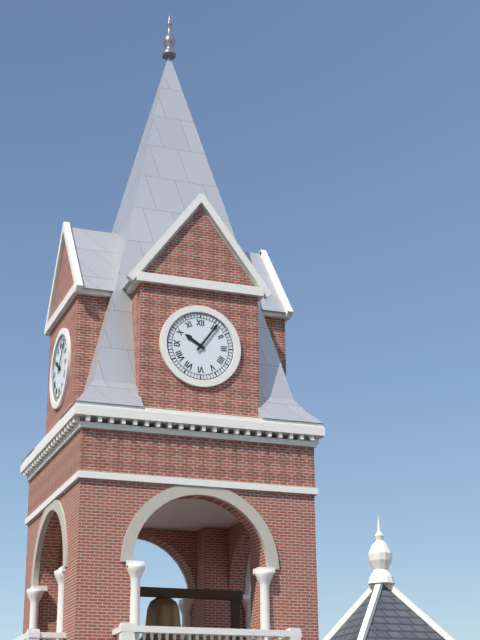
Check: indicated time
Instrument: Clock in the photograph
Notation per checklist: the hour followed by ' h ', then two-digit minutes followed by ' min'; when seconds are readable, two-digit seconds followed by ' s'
10 h 06 min
